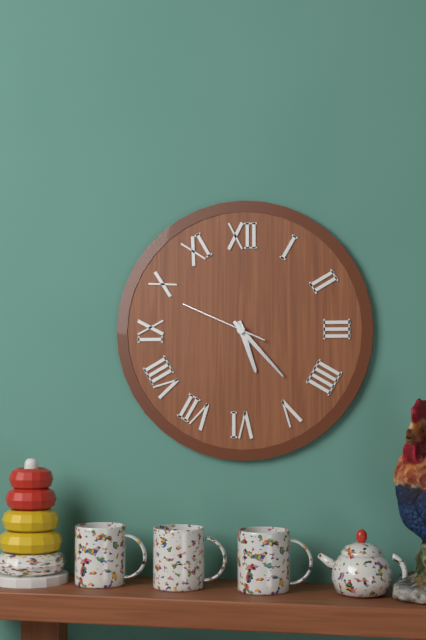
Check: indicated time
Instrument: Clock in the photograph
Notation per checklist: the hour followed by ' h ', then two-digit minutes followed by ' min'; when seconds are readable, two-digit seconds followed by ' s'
5 h 23 min 49 s
